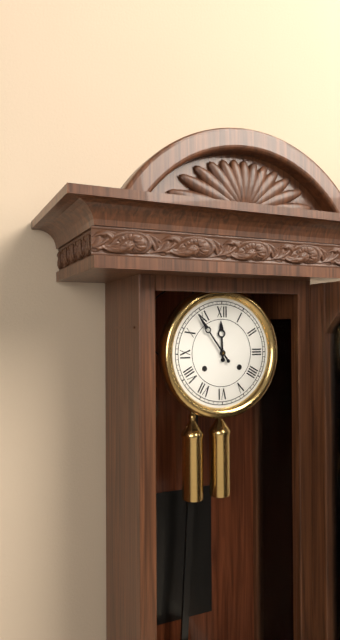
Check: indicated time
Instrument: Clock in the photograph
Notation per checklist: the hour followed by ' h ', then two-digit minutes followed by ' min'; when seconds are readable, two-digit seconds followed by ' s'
11 h 54 min
